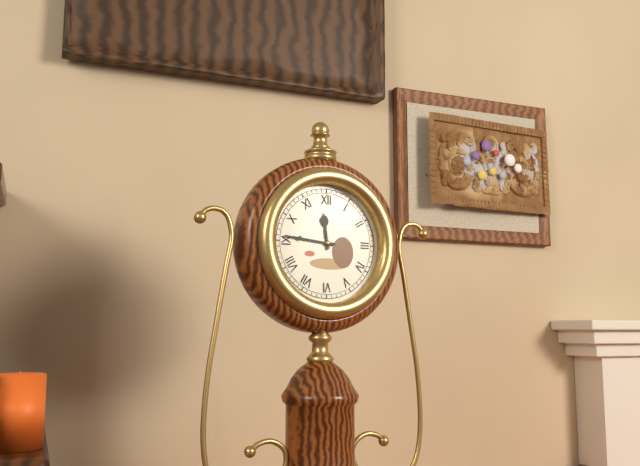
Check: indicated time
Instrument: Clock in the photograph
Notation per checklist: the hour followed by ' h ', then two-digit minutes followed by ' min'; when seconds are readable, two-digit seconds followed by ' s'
11 h 46 min
